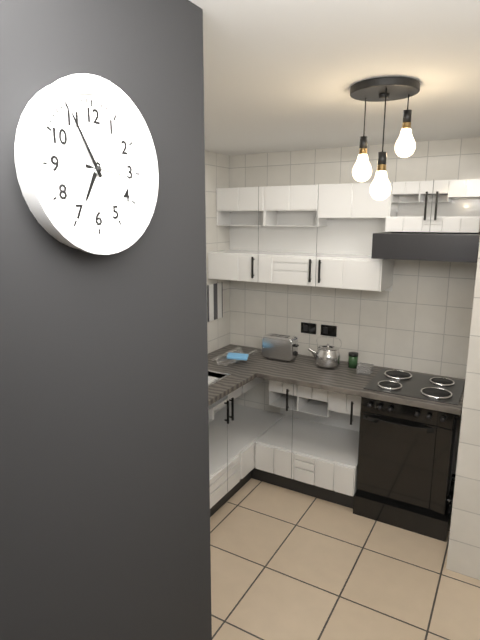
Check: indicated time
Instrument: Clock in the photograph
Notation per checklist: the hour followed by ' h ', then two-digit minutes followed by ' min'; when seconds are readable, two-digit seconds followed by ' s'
6 h 55 min 16 s
